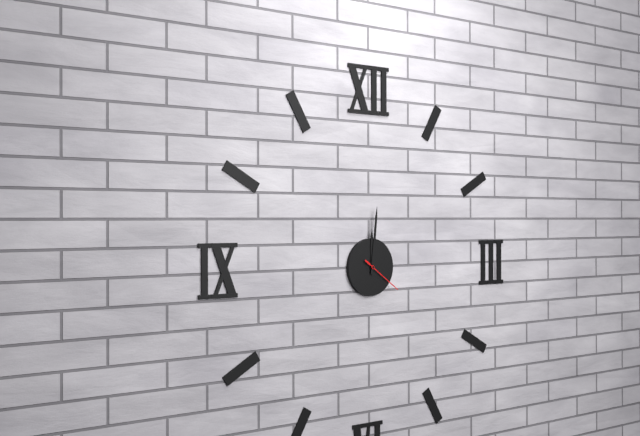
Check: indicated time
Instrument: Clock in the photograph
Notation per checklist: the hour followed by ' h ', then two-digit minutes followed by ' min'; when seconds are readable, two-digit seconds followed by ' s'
12 h 01 min
